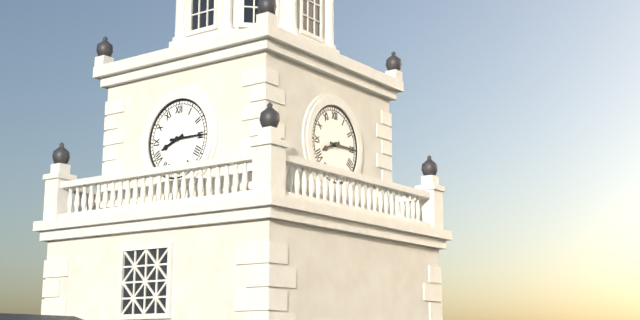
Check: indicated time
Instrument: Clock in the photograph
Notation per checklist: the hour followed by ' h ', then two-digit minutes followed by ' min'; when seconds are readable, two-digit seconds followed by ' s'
8 h 15 min
